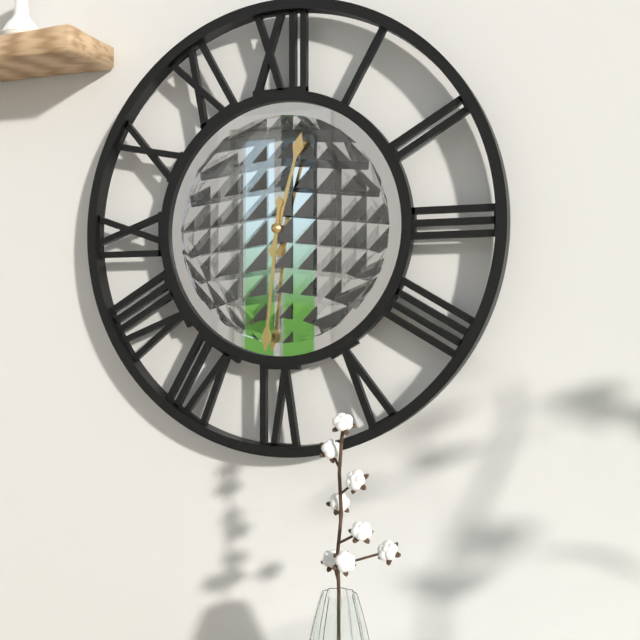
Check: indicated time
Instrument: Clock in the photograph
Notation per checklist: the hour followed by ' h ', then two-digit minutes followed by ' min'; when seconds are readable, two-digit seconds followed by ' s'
12 h 31 min
